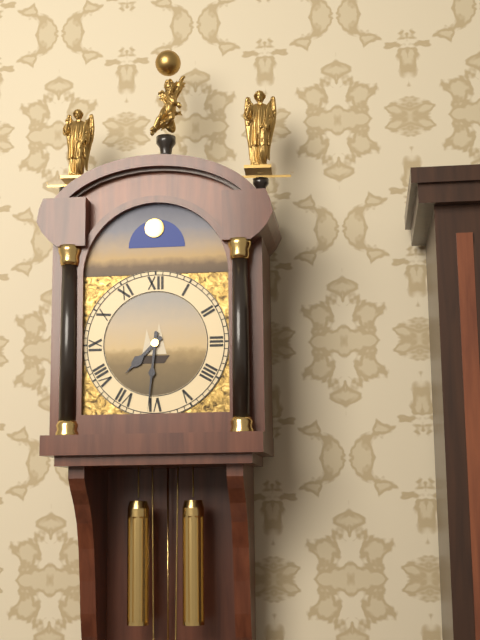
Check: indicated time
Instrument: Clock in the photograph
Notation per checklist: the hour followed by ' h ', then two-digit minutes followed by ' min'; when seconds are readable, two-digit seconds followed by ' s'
7 h 31 min
